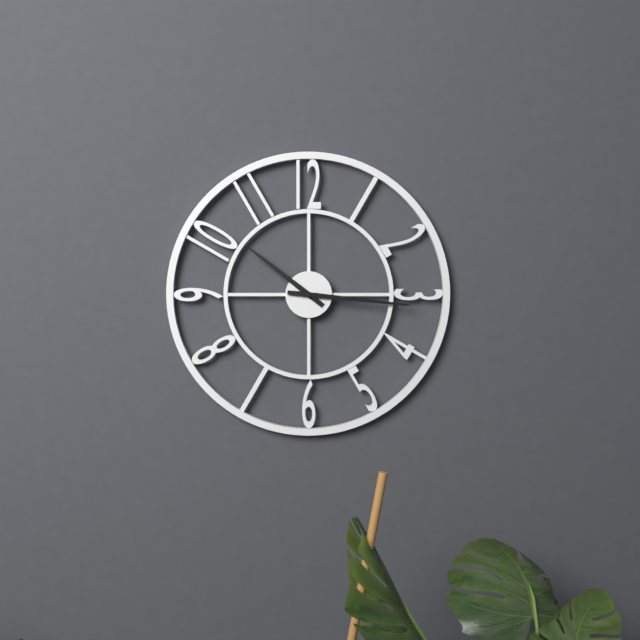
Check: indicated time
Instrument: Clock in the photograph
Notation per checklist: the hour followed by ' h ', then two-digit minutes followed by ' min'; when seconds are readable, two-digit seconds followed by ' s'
10 h 16 min
